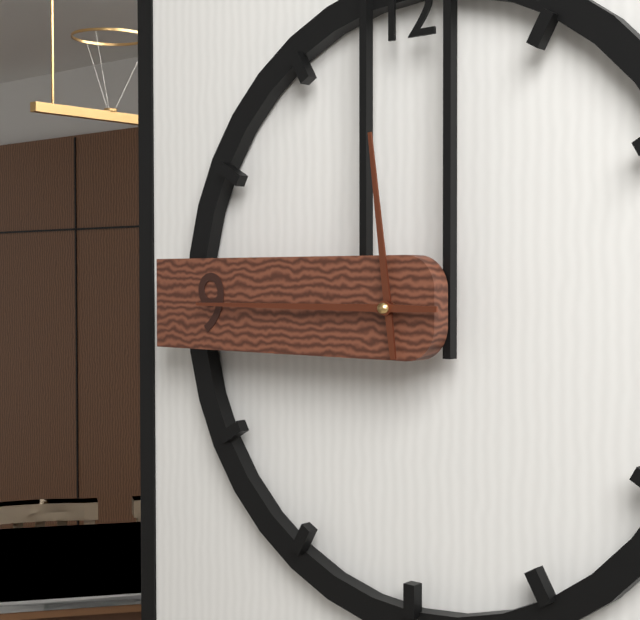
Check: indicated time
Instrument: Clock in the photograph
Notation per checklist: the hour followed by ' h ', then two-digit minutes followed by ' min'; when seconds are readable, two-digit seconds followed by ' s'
11 h 45 min
